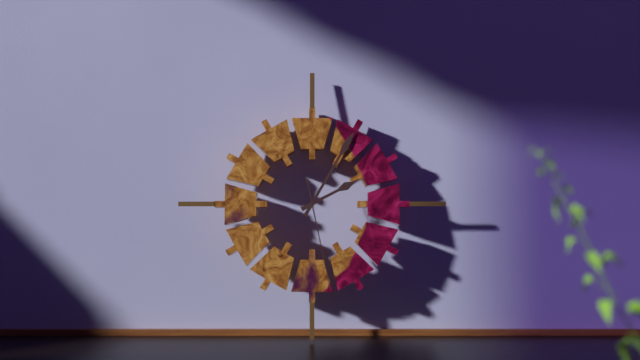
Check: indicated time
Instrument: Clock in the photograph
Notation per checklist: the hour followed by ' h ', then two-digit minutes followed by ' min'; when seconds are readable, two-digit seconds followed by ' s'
2 h 05 min 28 s
